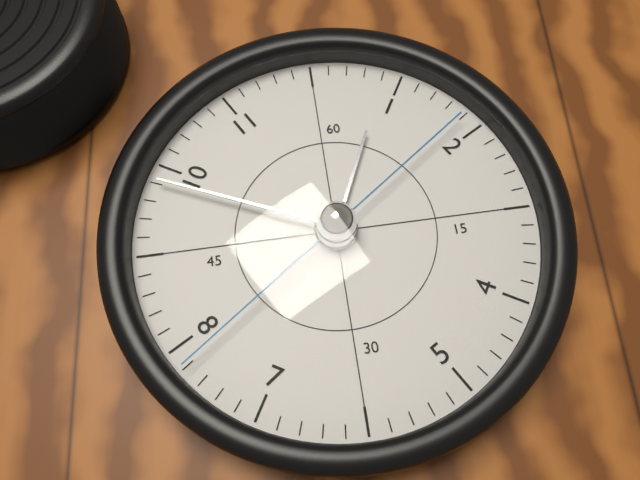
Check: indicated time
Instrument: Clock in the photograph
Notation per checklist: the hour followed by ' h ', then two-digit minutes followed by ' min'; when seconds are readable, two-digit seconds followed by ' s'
12 h 49 min 39 s
